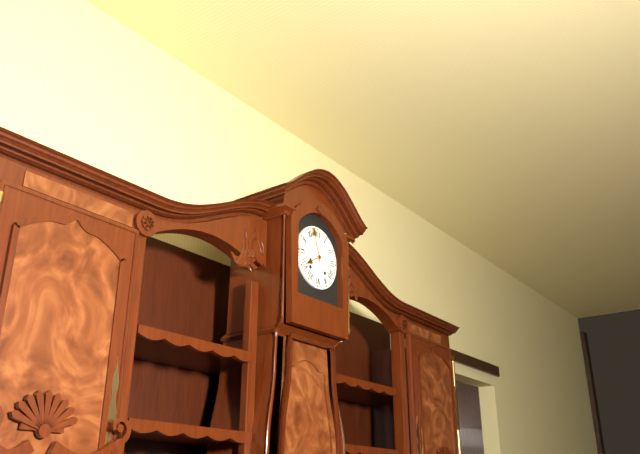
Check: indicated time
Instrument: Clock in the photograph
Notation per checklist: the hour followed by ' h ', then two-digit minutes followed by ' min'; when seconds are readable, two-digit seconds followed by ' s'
7 h 57 min
